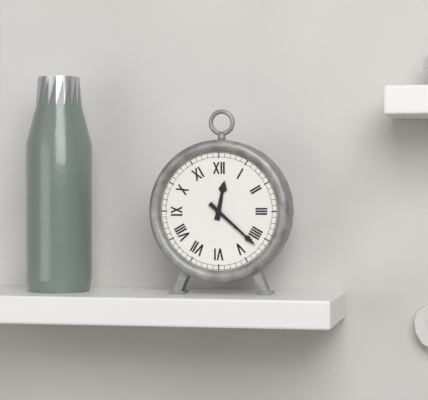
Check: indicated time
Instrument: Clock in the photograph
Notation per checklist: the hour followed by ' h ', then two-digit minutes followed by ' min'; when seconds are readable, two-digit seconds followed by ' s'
12 h 22 min
